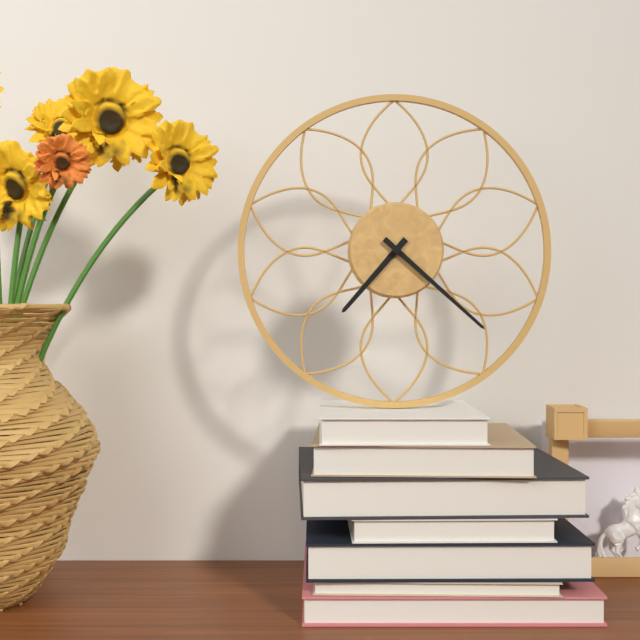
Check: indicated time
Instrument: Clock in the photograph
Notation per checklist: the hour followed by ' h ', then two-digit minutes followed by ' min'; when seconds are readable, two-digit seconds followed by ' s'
7 h 22 min
